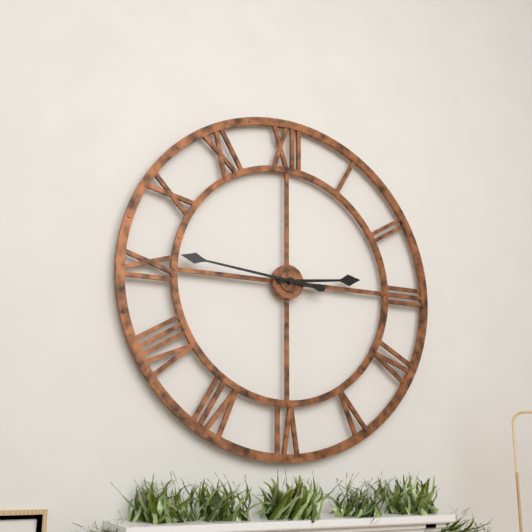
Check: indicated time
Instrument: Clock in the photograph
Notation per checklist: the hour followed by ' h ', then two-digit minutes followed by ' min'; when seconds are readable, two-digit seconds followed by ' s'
2 h 46 min
